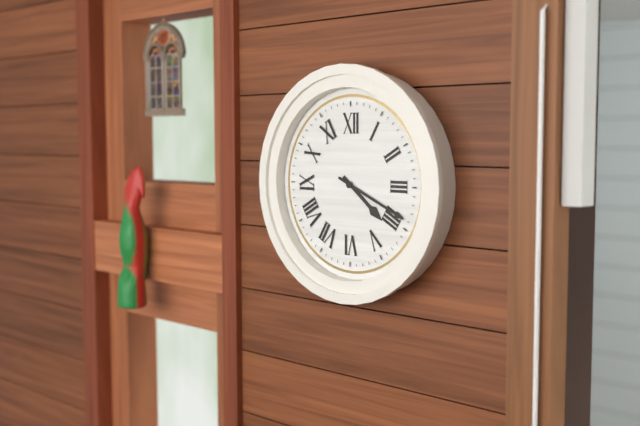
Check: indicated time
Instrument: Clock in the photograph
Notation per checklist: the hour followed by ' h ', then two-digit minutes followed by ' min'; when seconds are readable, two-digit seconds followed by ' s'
4 h 19 min
